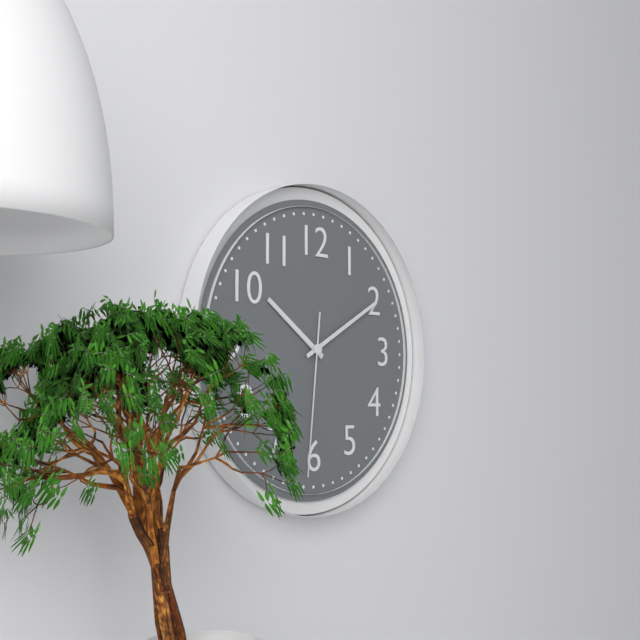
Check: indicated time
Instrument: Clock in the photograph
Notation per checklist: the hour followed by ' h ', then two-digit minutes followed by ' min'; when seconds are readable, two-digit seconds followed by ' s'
10 h 10 min 31 s
